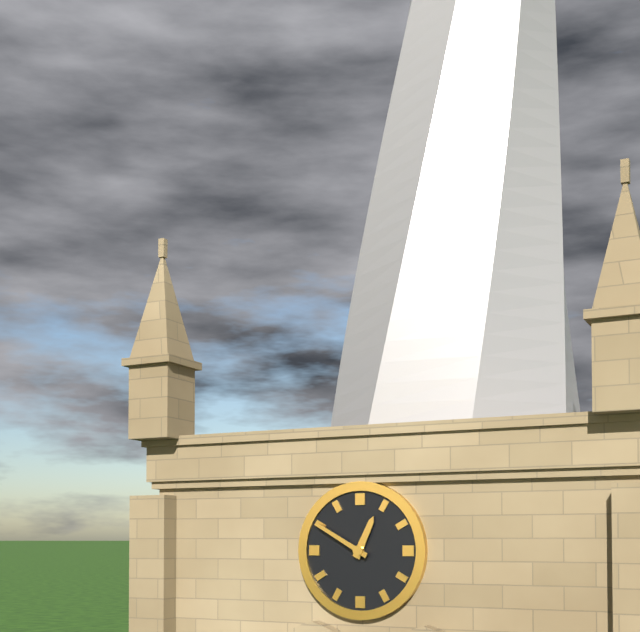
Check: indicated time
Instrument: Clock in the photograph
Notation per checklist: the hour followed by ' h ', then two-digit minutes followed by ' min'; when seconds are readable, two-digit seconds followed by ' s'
12 h 50 min
